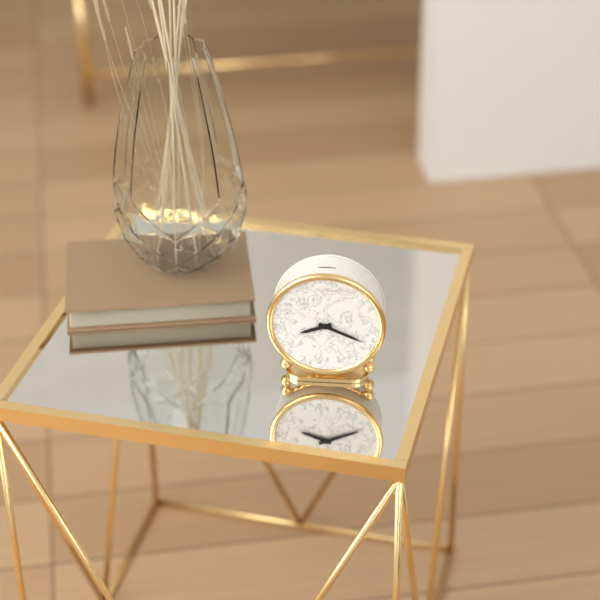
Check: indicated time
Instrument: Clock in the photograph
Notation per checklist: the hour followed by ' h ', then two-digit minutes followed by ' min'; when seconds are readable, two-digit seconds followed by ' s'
8 h 19 min
